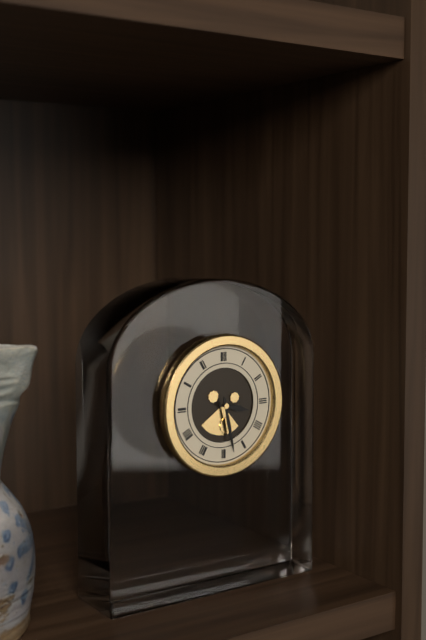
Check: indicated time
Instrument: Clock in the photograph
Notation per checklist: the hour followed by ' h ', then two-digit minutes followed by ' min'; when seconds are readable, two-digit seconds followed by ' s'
3 h 28 min
